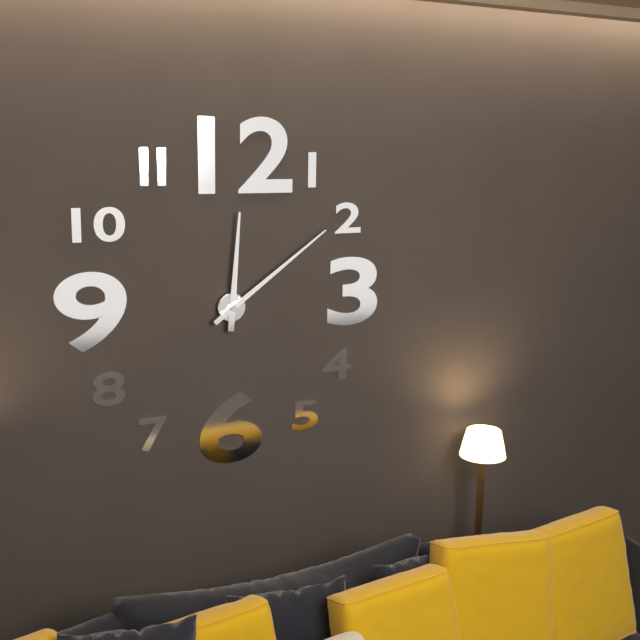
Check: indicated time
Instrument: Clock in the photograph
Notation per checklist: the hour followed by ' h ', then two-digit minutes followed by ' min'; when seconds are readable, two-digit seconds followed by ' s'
12 h 09 min
